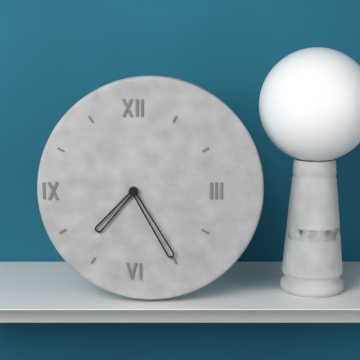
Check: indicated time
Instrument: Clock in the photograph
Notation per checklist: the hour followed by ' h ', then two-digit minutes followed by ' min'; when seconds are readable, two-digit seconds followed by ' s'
7 h 25 min
